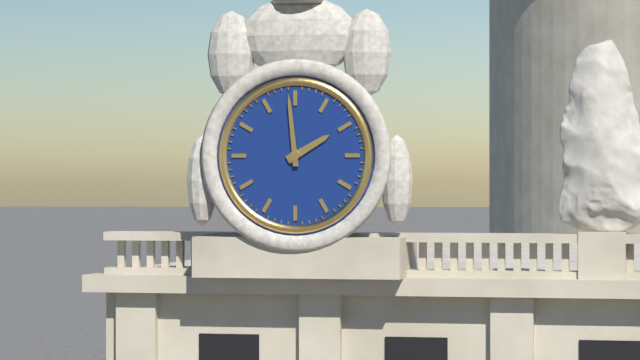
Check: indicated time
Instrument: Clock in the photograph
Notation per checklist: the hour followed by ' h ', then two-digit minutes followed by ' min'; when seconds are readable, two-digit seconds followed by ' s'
1 h 59 min
